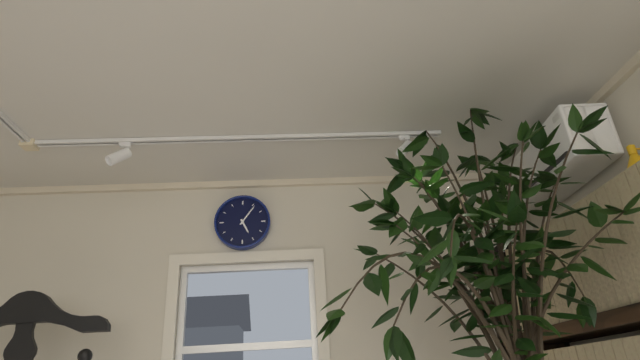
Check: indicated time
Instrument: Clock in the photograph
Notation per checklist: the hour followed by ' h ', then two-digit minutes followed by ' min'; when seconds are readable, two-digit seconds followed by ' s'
5 h 06 min
